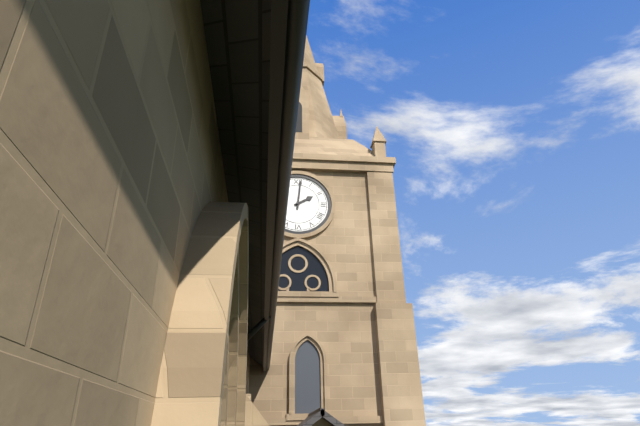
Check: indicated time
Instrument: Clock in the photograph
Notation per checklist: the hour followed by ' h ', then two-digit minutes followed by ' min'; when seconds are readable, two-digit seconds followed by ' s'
2 h 01 min
